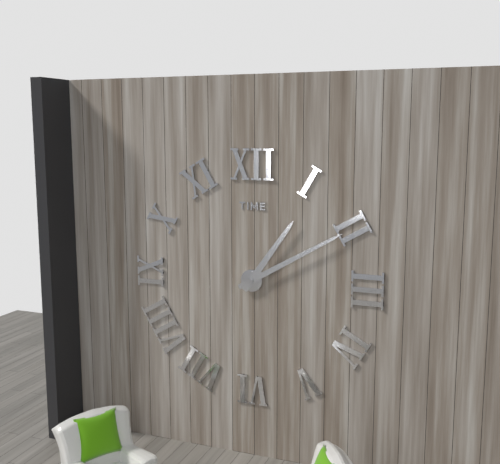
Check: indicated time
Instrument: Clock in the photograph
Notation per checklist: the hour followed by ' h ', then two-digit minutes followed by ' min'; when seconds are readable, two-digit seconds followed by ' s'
1 h 10 min
